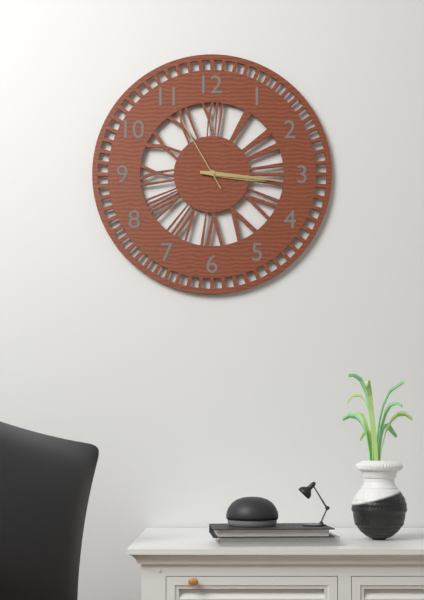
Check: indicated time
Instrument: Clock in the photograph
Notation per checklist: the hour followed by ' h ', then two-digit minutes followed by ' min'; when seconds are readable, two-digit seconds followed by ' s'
3 h 16 min 55 s
